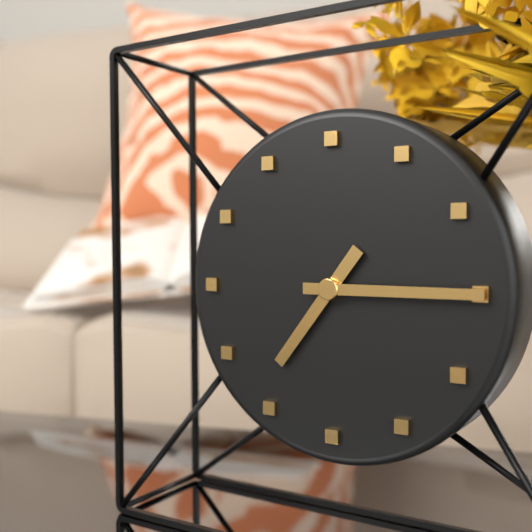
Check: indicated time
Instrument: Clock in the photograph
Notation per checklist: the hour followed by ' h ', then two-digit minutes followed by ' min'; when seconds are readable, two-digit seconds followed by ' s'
7 h 15 min
